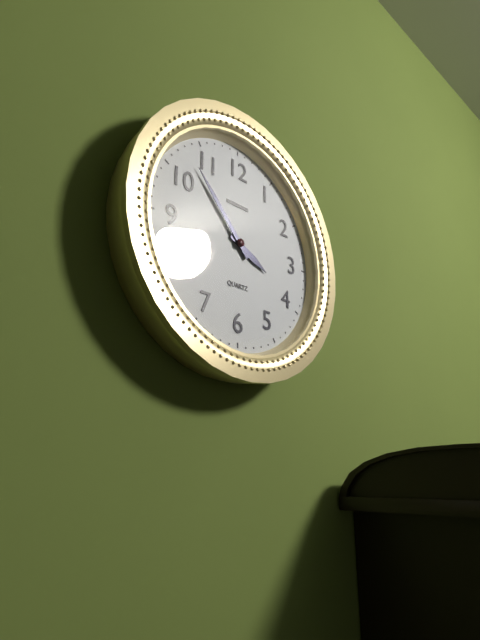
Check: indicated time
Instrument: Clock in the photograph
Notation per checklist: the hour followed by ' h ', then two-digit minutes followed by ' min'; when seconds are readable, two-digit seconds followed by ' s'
3 h 53 min
